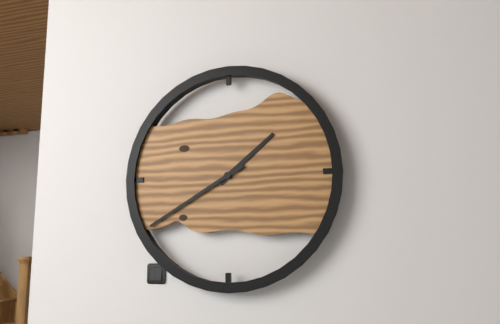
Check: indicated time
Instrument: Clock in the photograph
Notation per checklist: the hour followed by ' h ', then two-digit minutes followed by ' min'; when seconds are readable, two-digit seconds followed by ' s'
1 h 40 min
